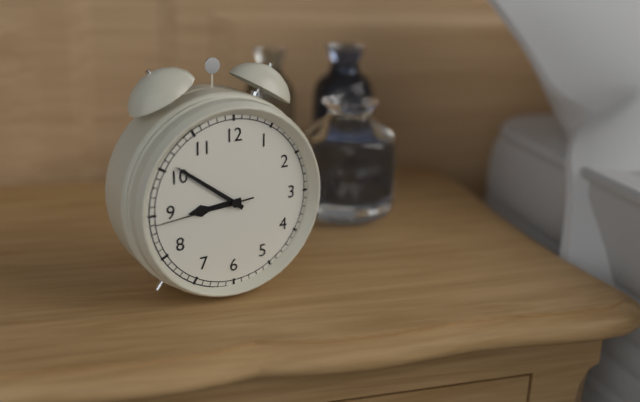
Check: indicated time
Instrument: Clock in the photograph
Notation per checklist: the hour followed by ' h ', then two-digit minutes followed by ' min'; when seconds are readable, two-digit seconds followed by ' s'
8 h 51 min 44 s
